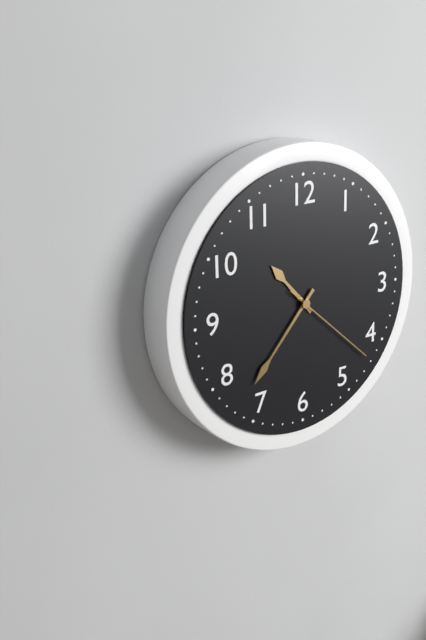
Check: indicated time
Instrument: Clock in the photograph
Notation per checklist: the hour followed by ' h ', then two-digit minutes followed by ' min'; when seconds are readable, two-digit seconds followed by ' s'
10 h 37 min 22 s
